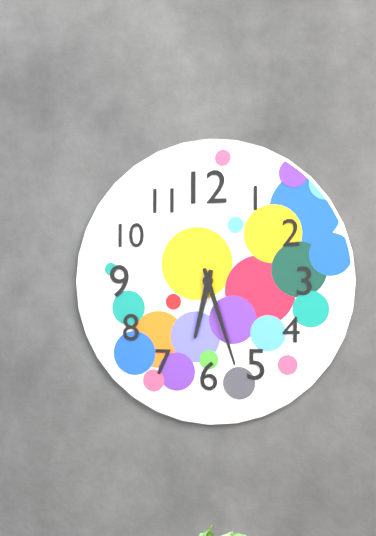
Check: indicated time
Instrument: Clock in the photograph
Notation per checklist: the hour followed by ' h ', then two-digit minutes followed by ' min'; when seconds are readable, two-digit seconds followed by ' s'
6 h 27 min
